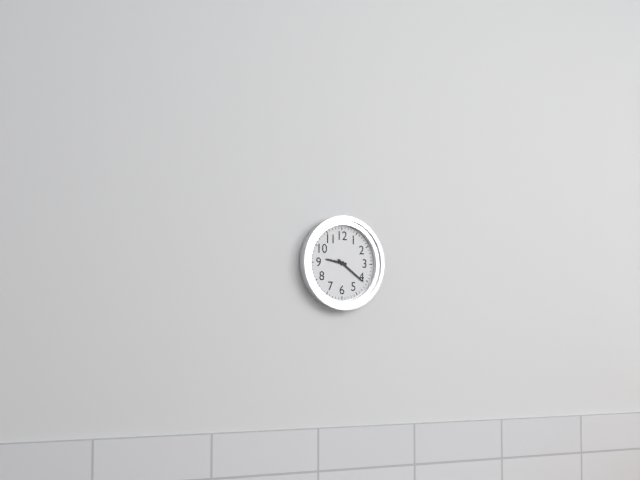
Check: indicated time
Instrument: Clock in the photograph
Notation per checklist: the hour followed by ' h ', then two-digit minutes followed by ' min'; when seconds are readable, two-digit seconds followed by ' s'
9 h 21 min
